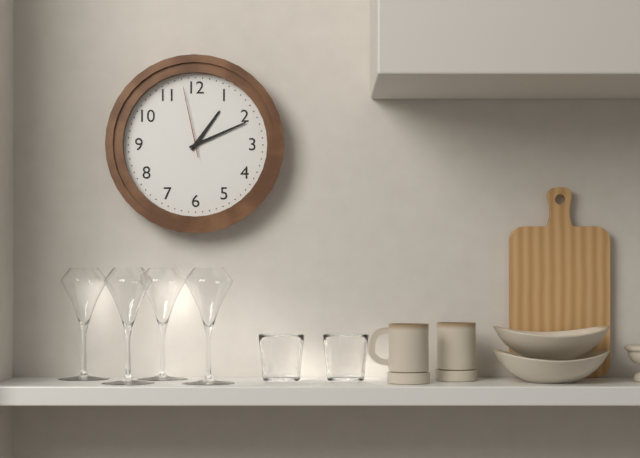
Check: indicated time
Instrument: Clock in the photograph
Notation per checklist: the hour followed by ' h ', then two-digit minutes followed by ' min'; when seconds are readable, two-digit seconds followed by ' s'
1 h 11 min 58 s
